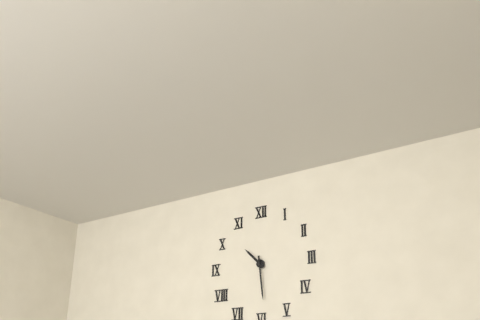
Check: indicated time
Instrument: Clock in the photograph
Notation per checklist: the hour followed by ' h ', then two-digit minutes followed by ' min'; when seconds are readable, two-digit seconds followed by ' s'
10 h 29 min
